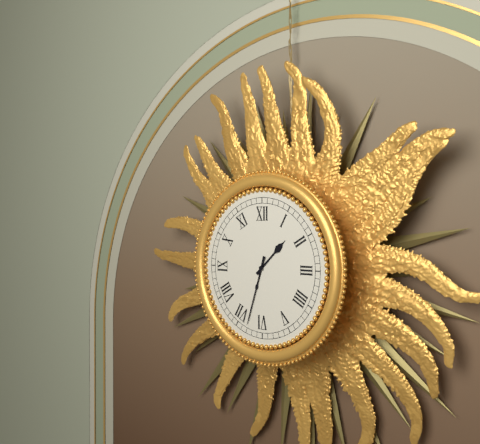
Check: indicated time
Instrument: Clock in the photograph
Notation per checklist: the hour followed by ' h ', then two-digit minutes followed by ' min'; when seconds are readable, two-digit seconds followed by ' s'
1 h 33 min
